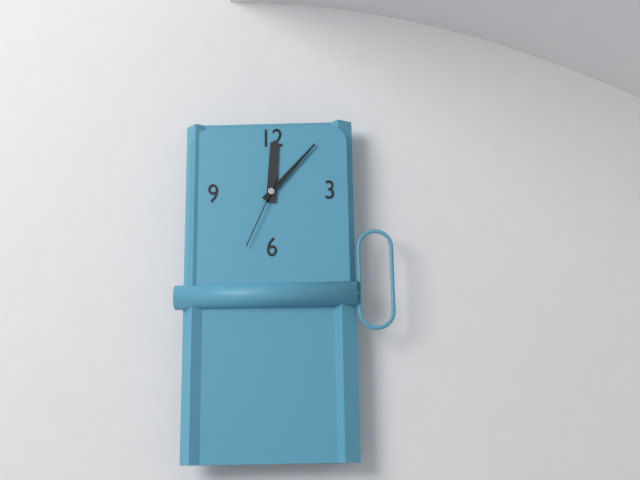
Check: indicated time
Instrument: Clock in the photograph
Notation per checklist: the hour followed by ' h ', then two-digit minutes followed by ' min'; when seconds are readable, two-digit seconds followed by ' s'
12 h 07 min 34 s
